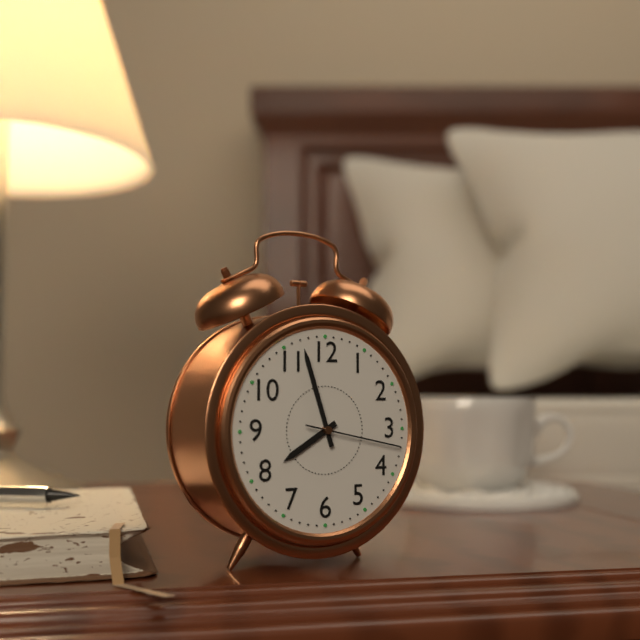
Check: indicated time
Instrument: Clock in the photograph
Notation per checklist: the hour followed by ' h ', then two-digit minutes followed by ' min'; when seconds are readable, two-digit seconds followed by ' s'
7 h 57 min 17 s
